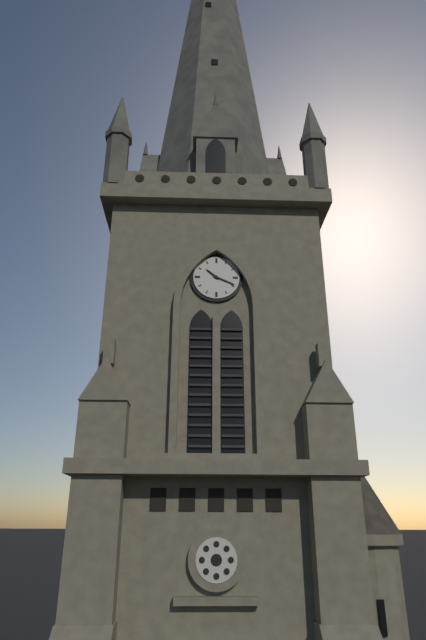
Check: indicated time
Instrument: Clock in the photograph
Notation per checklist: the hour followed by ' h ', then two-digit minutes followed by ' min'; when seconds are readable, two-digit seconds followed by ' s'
10 h 19 min
